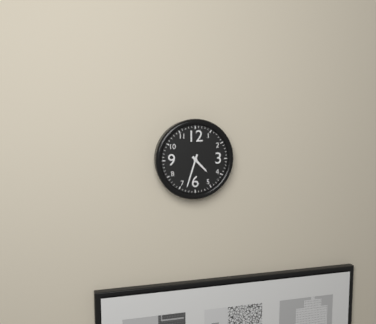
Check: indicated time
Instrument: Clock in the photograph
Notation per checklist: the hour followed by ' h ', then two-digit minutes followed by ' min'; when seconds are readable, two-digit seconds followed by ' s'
4 h 33 min
